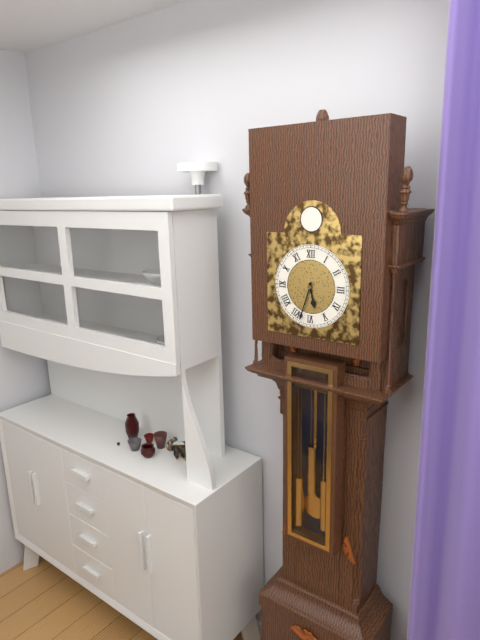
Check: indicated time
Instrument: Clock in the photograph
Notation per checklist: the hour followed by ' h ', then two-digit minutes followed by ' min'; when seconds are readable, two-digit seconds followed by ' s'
5 h 33 min
